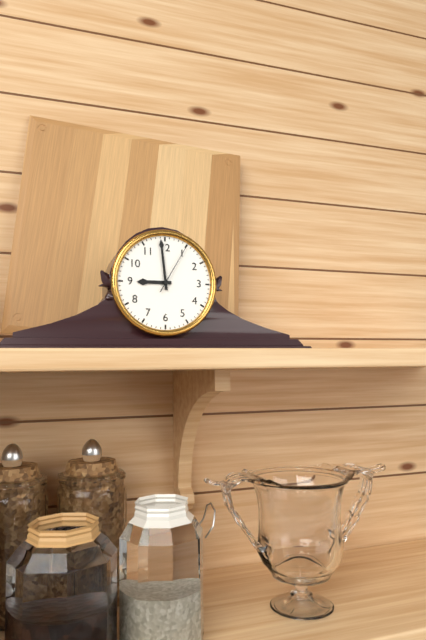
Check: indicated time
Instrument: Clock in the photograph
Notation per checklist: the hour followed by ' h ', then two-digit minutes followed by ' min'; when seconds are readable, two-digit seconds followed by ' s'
8 h 59 min 05 s
